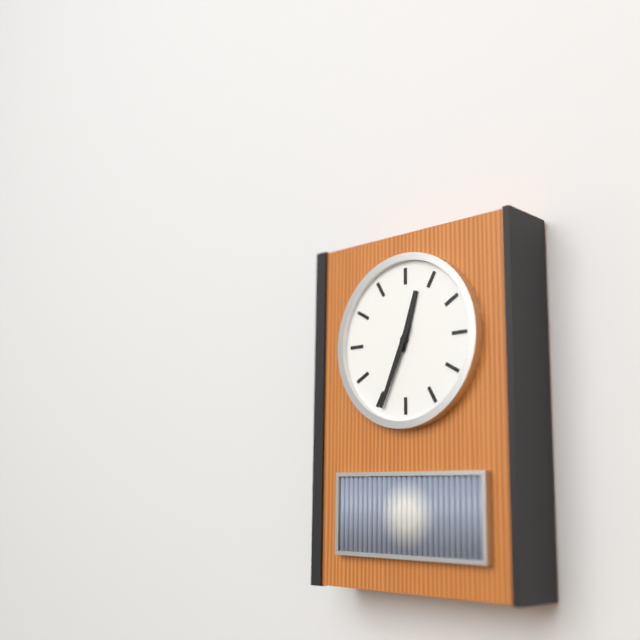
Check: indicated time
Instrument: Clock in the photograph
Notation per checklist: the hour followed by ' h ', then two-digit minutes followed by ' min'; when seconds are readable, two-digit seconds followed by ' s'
12 h 34 min
